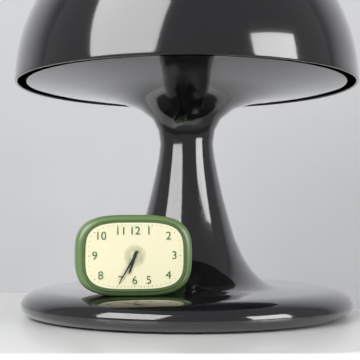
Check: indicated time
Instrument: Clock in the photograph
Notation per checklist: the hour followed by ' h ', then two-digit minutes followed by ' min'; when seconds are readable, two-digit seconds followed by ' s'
6 h 35 min
